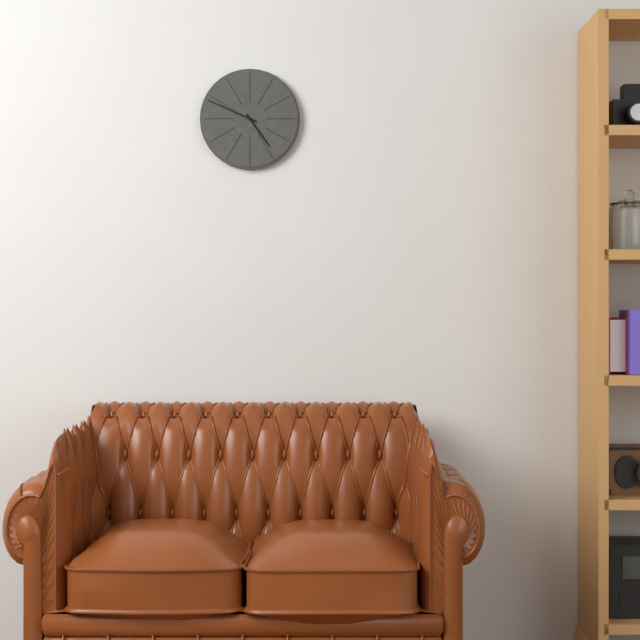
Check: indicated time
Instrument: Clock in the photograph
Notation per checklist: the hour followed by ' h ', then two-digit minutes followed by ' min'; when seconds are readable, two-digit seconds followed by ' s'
4 h 49 min
